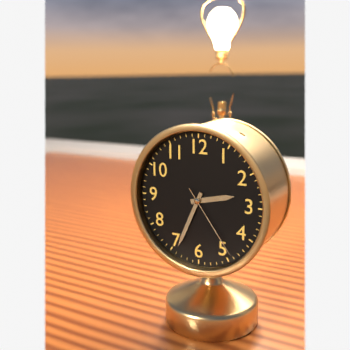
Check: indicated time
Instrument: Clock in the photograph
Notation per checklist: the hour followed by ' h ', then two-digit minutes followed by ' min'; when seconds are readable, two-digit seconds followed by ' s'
2 h 34 min 24 s
